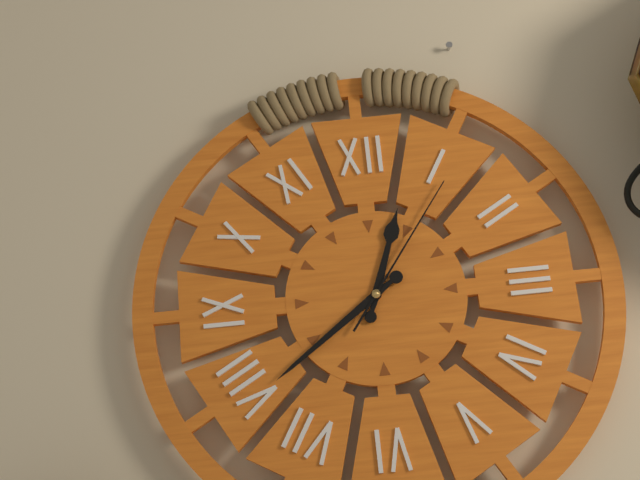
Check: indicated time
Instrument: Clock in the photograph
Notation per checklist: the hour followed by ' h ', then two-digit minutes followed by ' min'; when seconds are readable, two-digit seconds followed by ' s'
12 h 39 min 06 s
